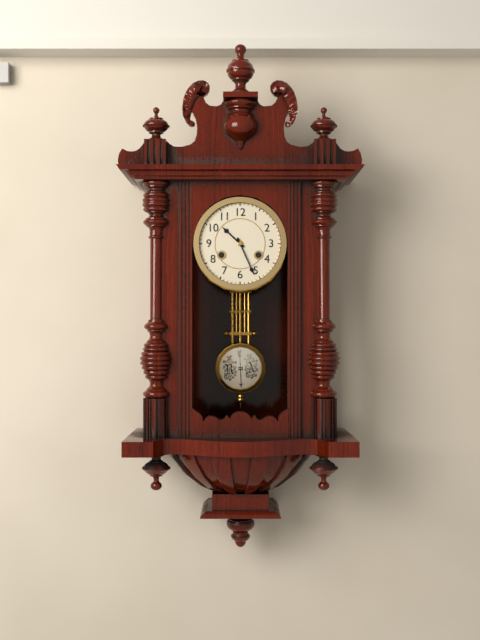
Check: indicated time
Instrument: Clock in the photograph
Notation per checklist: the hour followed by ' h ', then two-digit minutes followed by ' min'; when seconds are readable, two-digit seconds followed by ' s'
10 h 26 min
